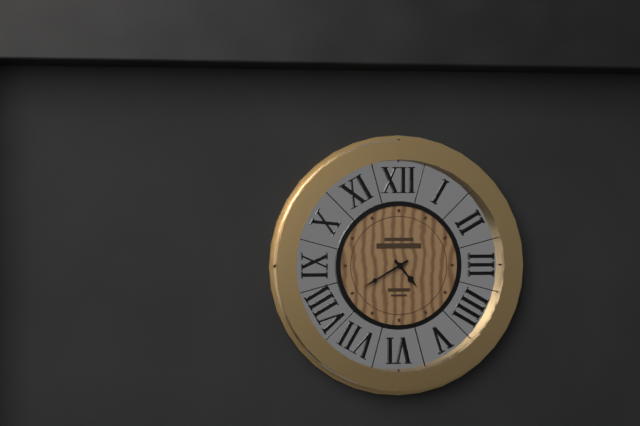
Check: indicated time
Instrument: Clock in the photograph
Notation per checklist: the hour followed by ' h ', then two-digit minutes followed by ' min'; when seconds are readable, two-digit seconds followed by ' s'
4 h 40 min
